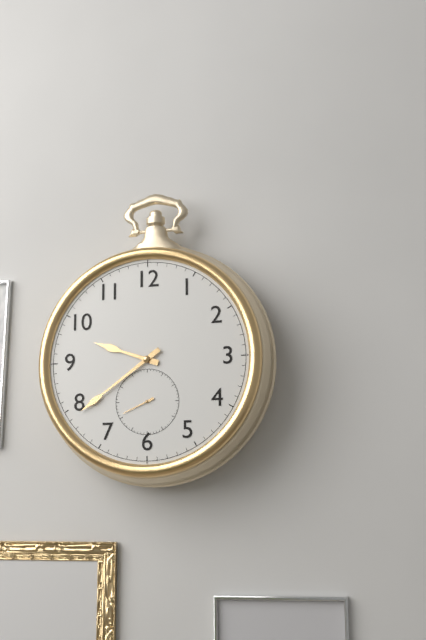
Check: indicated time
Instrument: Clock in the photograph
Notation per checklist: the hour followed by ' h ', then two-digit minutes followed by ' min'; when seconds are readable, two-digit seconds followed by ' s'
9 h 39 min
